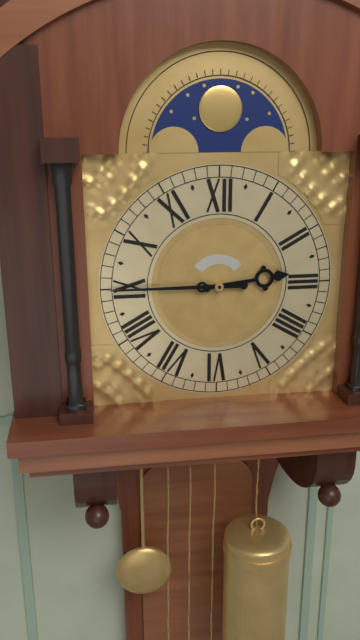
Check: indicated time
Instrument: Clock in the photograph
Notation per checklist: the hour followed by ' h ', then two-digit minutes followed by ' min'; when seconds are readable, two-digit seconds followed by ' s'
2 h 45 min
